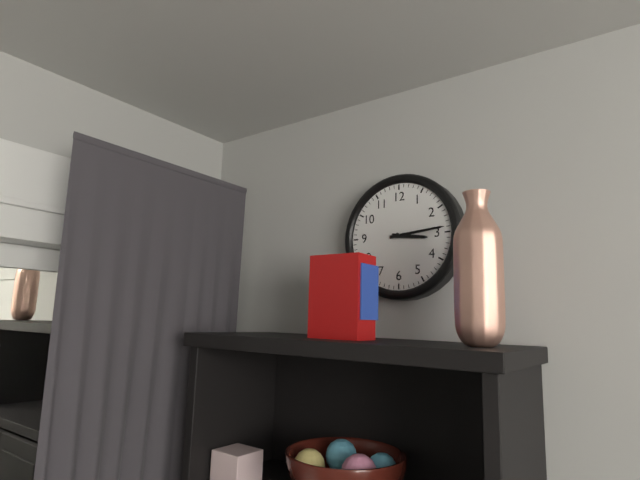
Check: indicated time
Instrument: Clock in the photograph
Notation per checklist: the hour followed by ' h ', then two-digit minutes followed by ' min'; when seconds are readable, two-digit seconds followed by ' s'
3 h 14 min
